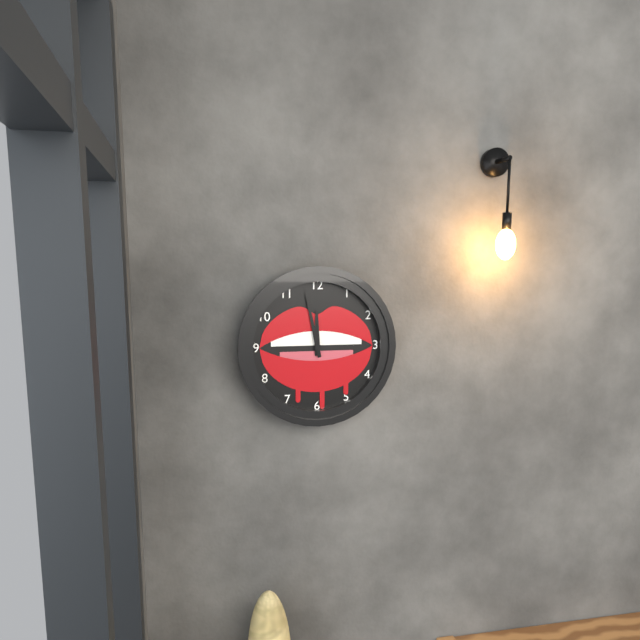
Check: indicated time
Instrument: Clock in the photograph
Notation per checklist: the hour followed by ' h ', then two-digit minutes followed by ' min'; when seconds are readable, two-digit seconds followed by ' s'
11 h 58 min
